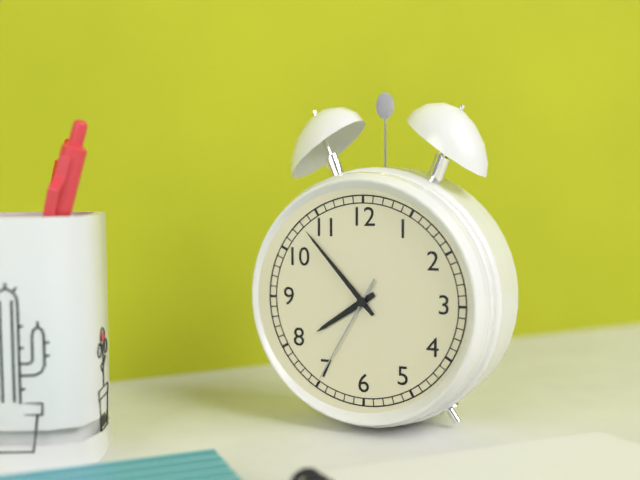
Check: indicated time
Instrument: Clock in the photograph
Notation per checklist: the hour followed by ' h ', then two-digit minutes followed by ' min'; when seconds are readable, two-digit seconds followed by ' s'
7 h 53 min 35 s
